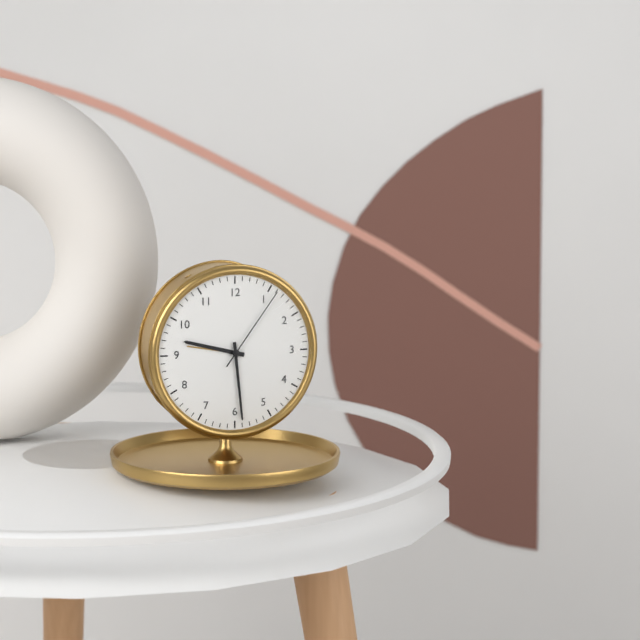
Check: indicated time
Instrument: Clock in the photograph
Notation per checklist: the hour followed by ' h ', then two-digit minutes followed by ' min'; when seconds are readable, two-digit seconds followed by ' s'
9 h 29 min 06 s
